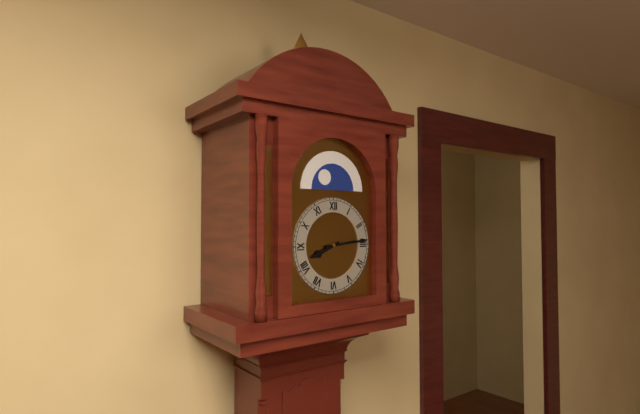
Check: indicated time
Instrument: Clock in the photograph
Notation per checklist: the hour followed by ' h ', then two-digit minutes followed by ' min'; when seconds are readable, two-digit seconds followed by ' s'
8 h 14 min
